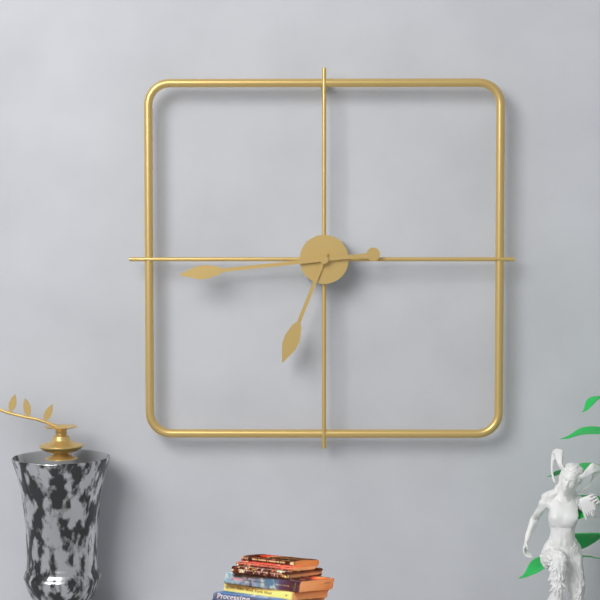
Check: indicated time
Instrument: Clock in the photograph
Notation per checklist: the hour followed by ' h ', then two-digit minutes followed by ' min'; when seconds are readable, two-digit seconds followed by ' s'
6 h 44 min
